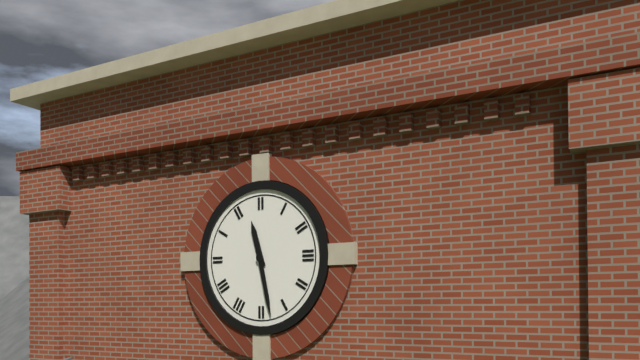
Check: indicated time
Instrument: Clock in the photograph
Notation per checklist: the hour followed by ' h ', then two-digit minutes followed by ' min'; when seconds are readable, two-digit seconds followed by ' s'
11 h 28 min
